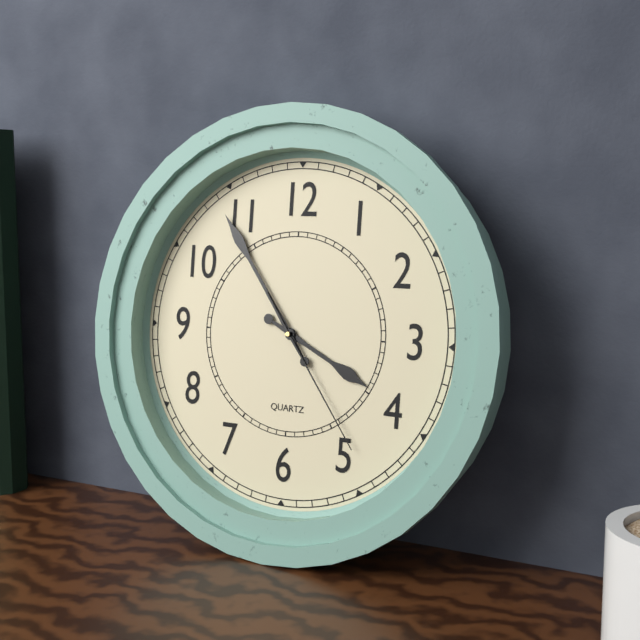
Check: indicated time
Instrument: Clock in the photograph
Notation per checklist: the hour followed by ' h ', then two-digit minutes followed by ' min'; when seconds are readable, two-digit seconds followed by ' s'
3 h 54 min 24 s
